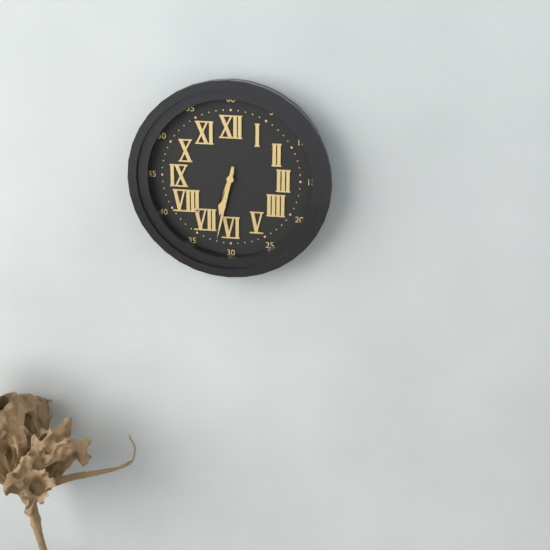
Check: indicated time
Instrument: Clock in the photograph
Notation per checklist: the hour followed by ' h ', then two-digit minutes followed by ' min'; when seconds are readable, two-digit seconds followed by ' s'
6 h 32 min
